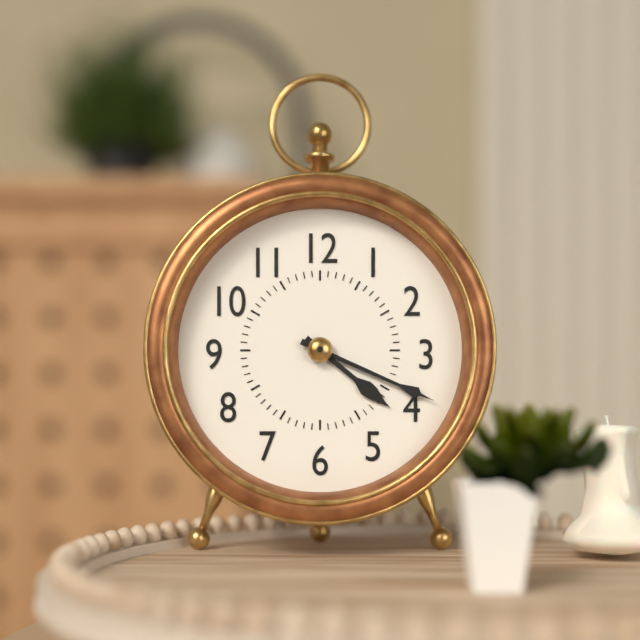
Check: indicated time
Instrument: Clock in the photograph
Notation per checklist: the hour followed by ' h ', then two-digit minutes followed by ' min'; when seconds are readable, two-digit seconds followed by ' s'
4 h 19 min
